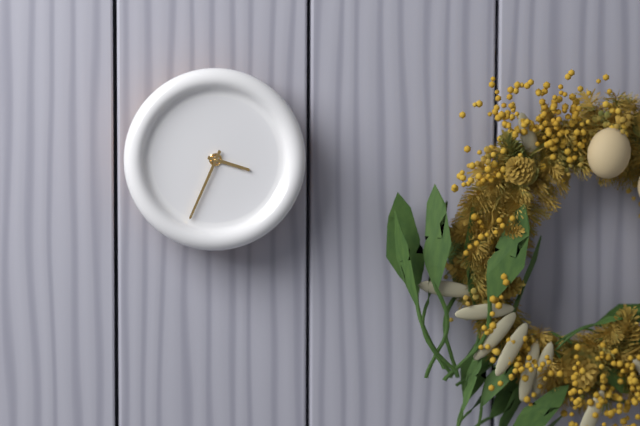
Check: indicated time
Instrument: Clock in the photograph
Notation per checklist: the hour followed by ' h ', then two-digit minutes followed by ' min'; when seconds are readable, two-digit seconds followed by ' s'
3 h 34 min
